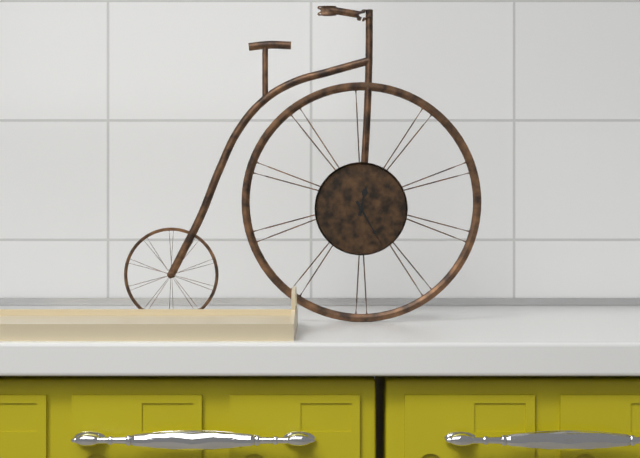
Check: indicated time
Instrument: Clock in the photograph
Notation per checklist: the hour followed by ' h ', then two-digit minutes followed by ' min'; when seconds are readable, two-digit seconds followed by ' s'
12 h 25 min
